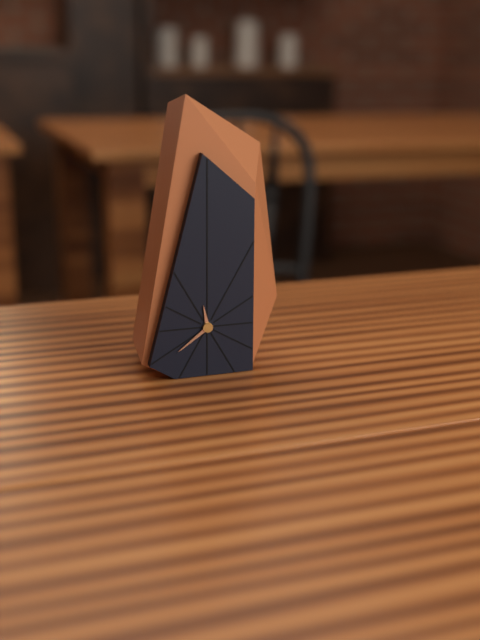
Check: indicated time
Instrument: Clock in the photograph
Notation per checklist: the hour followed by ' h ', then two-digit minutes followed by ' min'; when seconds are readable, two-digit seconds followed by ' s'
11 h 39 min
